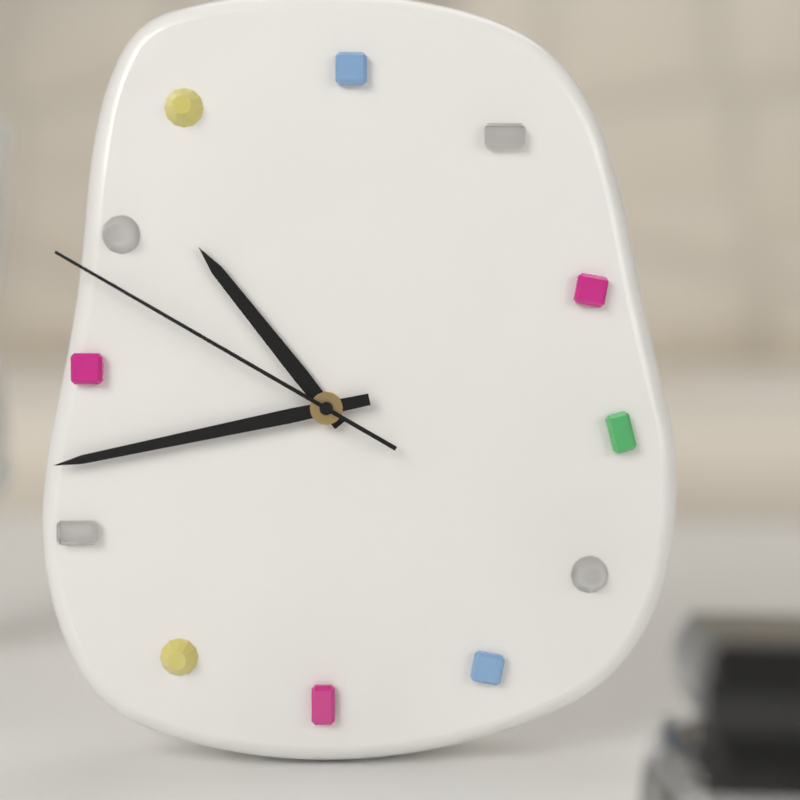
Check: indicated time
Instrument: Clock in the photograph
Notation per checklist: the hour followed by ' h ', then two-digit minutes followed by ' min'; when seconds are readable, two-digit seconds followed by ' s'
10 h 43 min 50 s
